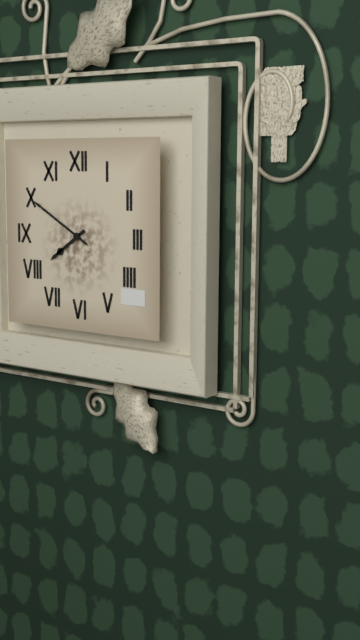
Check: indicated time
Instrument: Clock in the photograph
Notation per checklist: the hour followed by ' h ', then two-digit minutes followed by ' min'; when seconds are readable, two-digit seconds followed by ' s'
7 h 50 min
